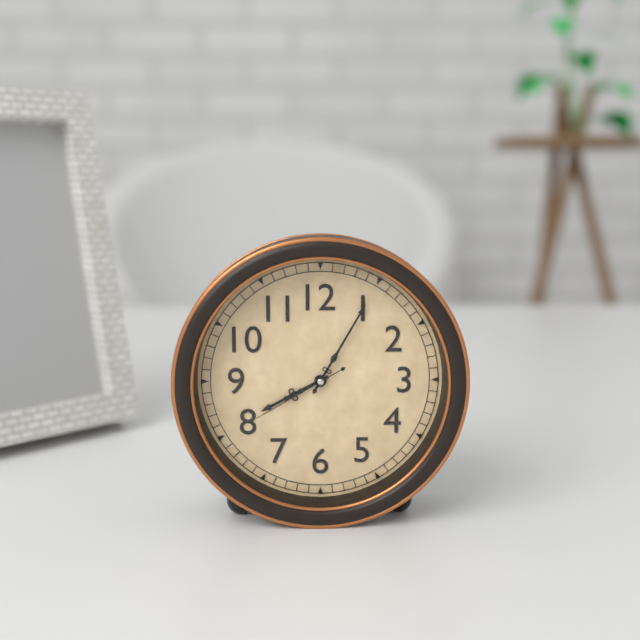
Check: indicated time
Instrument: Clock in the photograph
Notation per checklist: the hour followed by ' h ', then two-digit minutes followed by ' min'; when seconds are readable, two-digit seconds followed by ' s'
8 h 05 min 40 s
